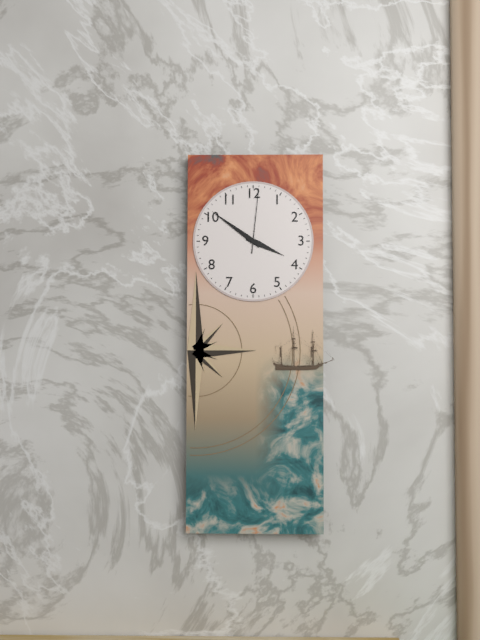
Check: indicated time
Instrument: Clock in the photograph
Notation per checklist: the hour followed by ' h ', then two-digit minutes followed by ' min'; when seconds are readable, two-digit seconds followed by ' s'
3 h 51 min 01 s
